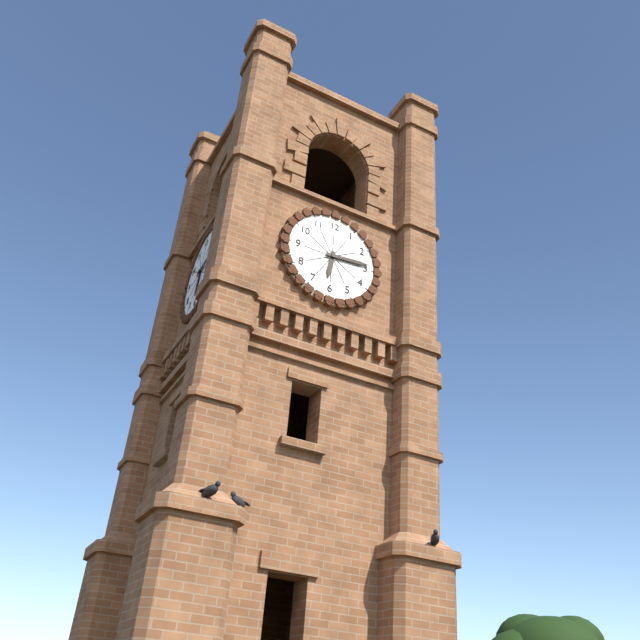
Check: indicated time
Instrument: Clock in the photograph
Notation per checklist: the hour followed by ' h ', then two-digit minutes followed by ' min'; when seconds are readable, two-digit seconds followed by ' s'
6 h 14 min
